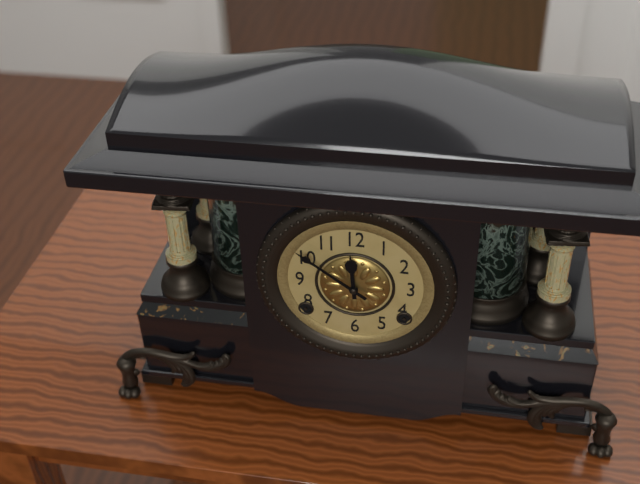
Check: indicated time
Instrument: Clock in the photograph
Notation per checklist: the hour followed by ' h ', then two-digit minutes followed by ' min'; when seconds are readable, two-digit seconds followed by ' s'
11 h 51 min
